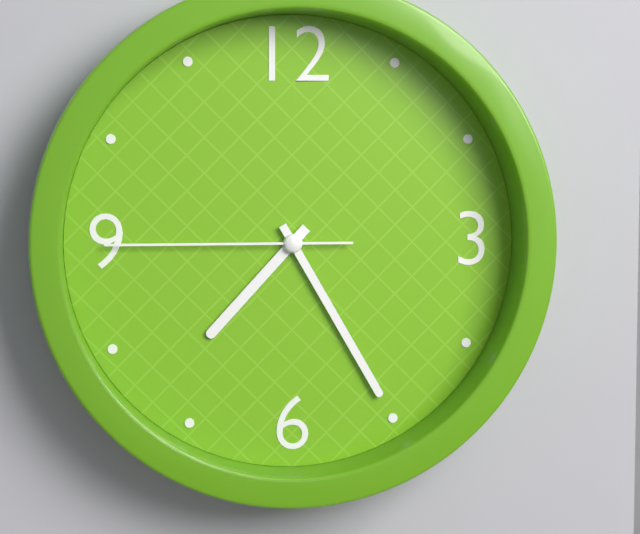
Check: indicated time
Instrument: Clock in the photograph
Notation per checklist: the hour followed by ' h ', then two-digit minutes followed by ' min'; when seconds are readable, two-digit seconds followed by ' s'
7 h 25 min 45 s
